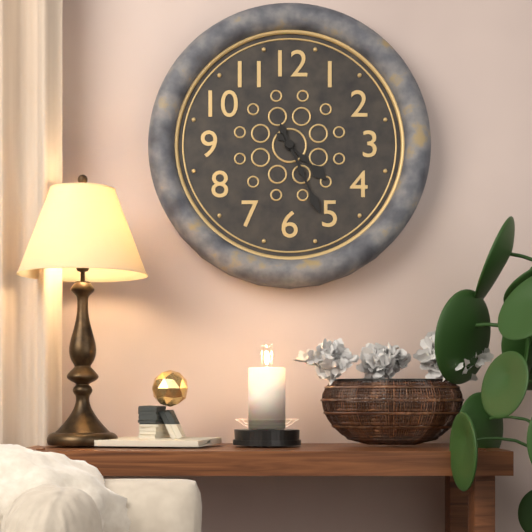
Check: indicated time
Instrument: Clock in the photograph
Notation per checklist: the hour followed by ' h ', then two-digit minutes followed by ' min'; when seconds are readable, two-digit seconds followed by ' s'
4 h 26 min
